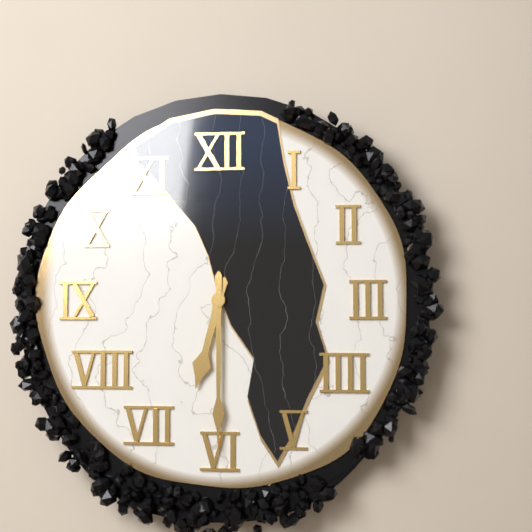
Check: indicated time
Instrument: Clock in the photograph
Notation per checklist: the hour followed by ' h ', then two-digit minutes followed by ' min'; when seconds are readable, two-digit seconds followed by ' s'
6 h 30 min
